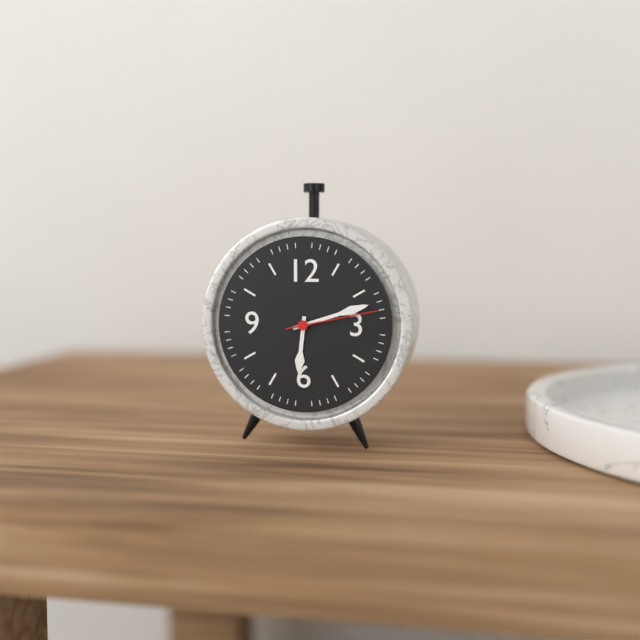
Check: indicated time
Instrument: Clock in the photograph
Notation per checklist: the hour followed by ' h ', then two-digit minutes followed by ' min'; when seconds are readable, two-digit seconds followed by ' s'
6 h 12 min 13 s
